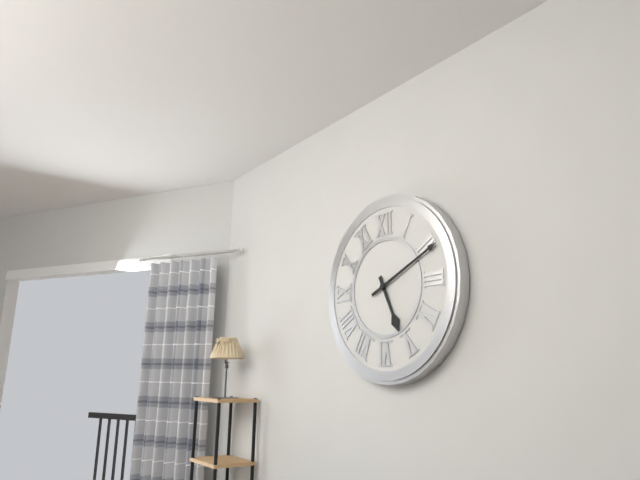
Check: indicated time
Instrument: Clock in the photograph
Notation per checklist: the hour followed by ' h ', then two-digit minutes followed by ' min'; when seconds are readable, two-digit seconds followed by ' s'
5 h 11 min
